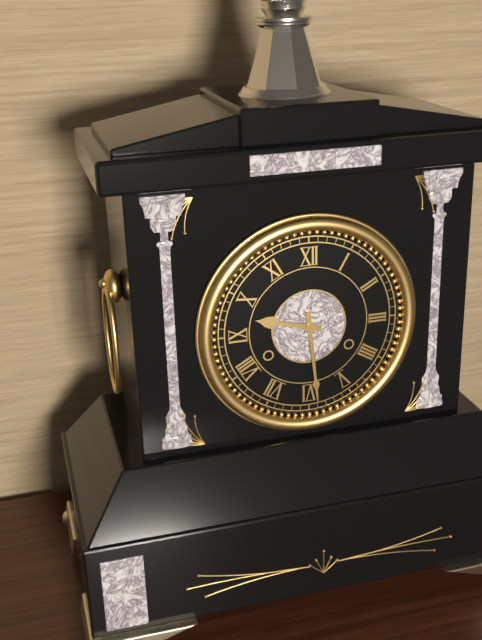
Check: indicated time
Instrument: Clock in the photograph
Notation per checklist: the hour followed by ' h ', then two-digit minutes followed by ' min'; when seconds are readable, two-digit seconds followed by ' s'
9 h 29 min
